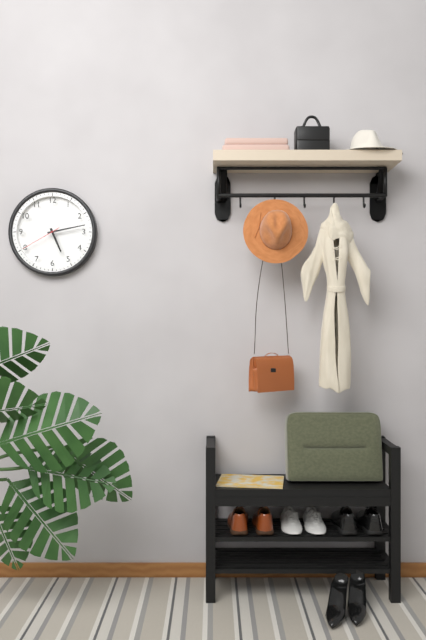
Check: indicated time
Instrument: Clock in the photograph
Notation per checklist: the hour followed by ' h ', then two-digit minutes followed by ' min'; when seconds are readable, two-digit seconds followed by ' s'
5 h 13 min
